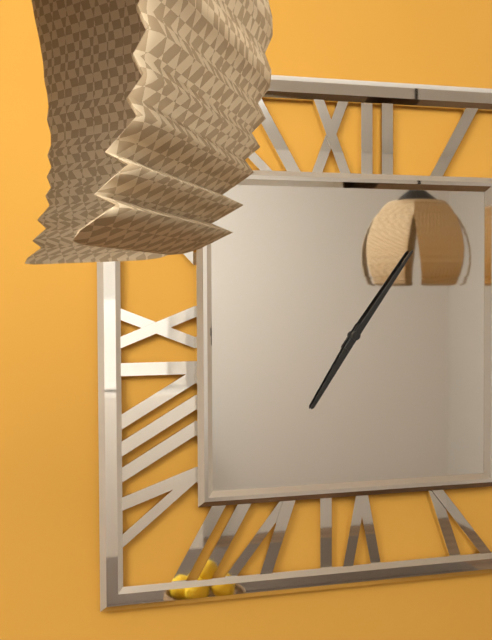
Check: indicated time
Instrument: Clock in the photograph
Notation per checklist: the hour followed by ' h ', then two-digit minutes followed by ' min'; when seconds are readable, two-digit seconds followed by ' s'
7 h 06 min
